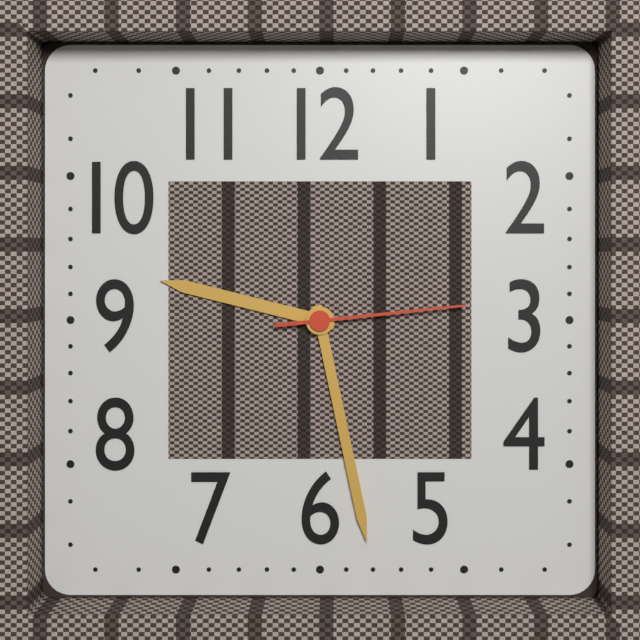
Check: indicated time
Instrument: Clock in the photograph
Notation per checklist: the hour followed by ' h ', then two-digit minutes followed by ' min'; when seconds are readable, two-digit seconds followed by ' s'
9 h 28 min 14 s
